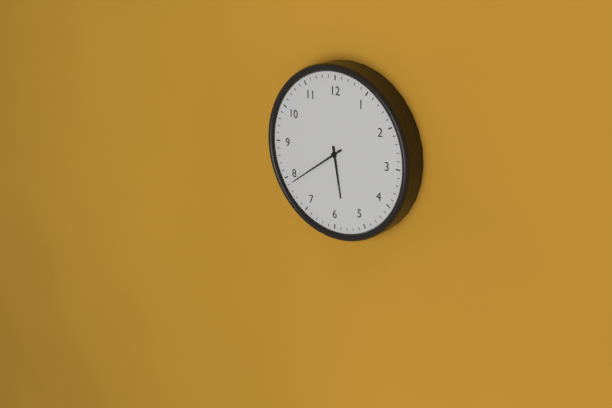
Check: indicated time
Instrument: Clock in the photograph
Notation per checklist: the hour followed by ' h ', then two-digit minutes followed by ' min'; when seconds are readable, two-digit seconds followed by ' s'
5 h 39 min
